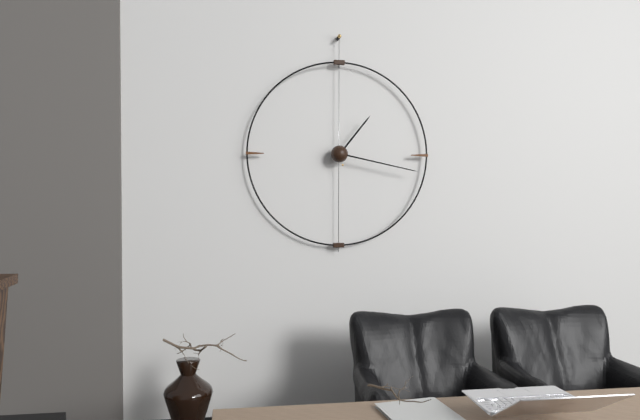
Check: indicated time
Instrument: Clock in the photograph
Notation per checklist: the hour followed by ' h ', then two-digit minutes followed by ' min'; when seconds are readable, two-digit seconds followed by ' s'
1 h 17 min
